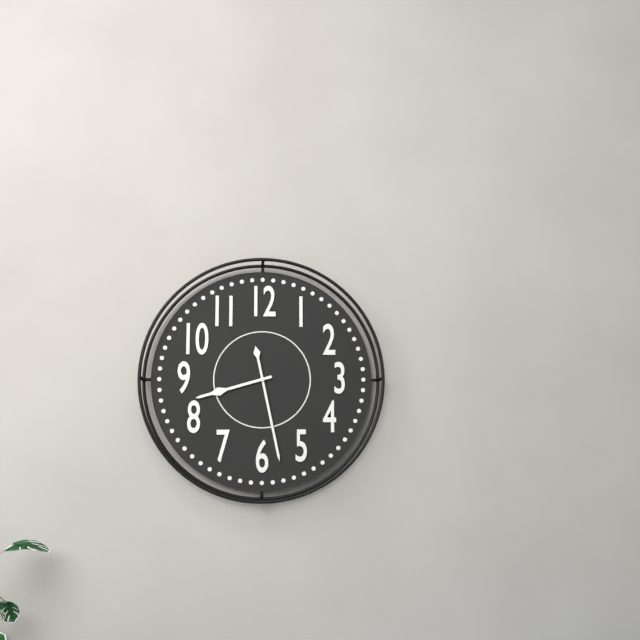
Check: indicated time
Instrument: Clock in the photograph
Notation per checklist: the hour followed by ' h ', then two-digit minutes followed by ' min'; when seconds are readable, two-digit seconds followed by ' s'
8 h 28 min
